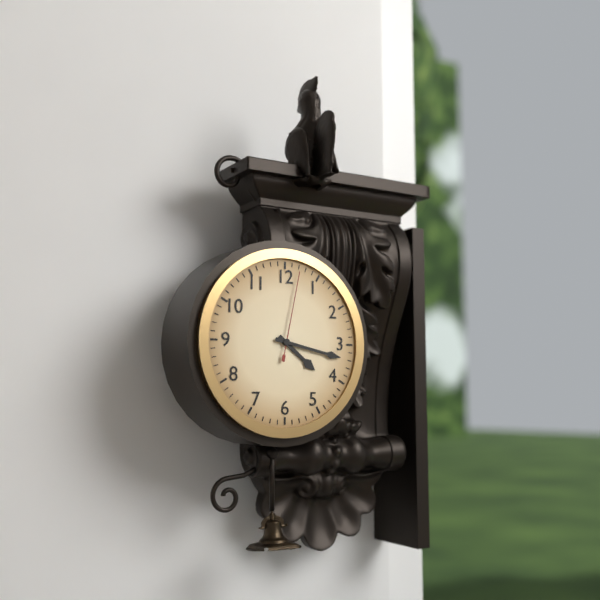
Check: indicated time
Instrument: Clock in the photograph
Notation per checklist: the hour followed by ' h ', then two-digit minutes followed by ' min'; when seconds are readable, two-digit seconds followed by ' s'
4 h 17 min 02 s
